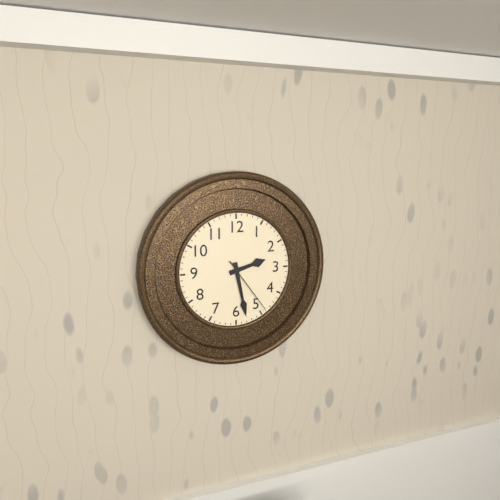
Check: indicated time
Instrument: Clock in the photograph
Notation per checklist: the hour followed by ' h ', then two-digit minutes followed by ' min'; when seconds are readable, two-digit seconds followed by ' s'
2 h 28 min 24 s
